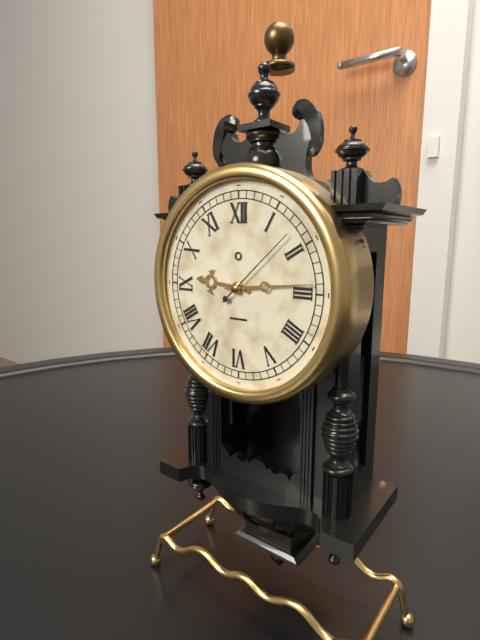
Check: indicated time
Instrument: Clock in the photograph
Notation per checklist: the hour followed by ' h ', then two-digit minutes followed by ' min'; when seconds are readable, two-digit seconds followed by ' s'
9 h 14 min 08 s
